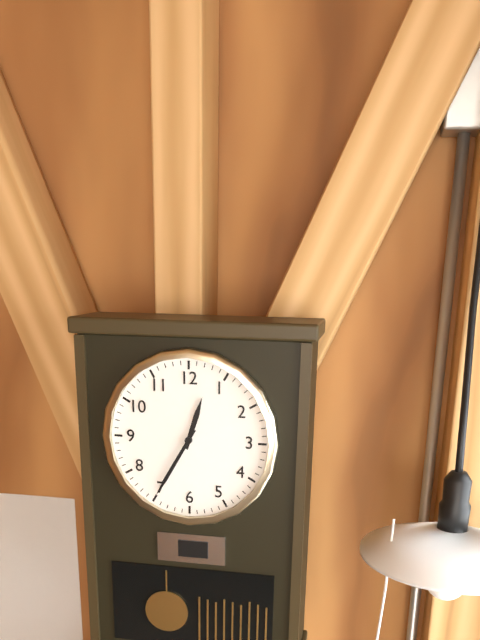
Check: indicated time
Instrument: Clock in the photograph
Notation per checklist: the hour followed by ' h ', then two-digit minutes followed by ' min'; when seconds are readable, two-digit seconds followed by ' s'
12 h 35 min
